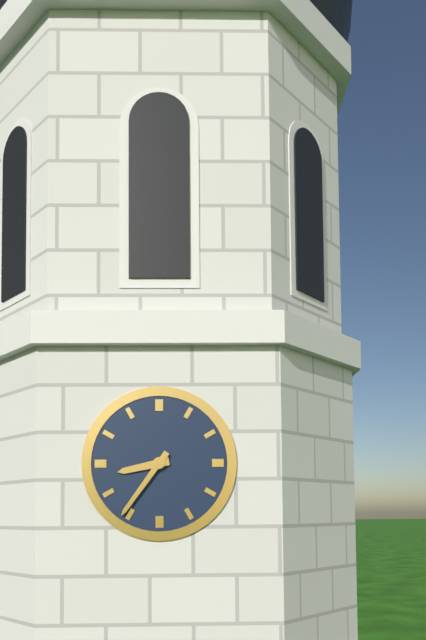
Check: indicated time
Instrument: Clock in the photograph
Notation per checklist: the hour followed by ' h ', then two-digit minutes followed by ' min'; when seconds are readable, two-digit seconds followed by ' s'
8 h 36 min
